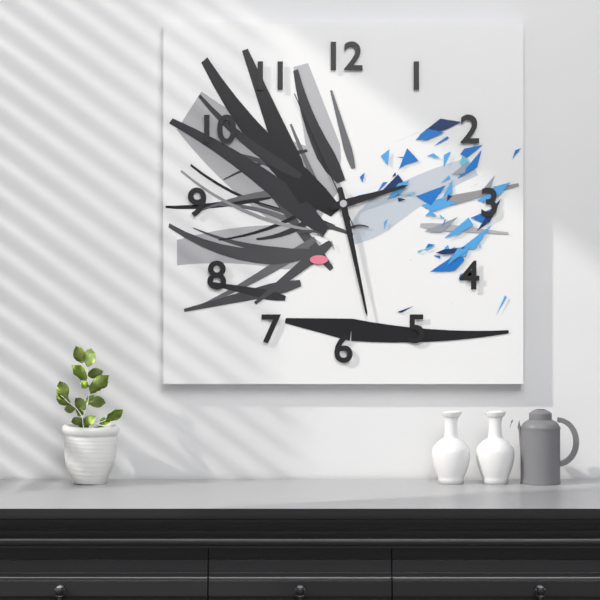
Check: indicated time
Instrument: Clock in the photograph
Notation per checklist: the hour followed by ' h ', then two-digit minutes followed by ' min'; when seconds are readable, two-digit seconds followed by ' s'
2 h 28 min 56 s
